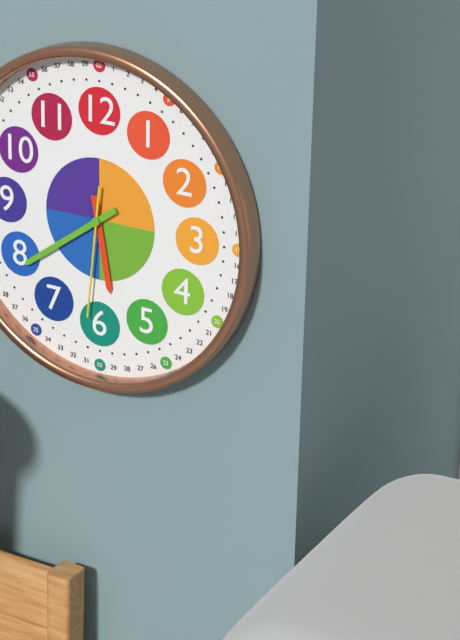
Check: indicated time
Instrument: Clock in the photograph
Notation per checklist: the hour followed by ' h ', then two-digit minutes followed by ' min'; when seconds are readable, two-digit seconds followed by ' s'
5 h 39 min 31 s
